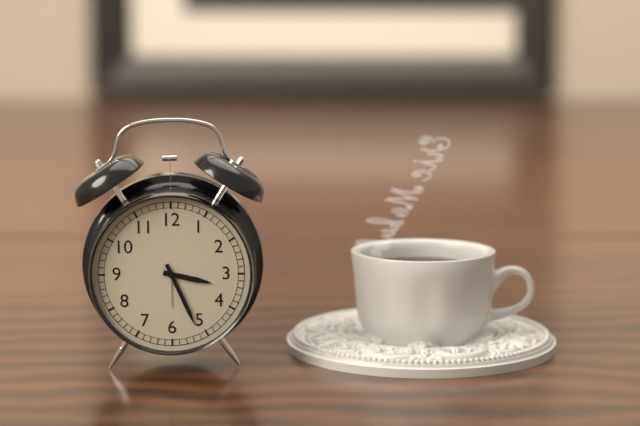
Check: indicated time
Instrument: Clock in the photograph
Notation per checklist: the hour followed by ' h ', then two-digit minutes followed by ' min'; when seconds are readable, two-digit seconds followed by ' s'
3 h 26 min
